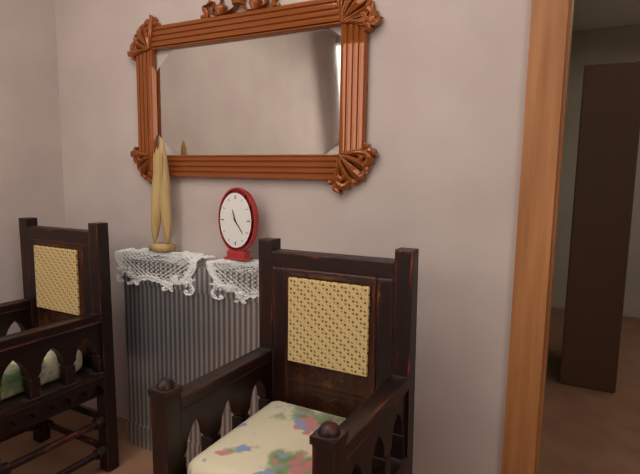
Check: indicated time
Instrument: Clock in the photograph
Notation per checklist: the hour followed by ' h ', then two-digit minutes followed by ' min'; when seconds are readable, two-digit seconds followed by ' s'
11 h 24 min
